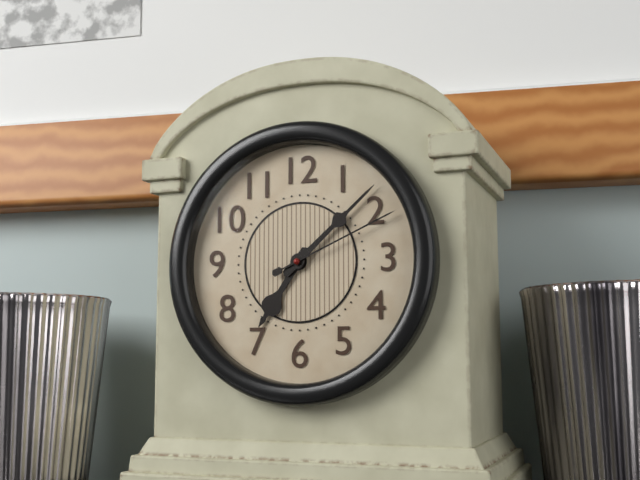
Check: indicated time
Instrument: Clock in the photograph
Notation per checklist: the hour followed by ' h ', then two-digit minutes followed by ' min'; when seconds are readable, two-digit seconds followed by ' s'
7 h 08 min 11 s
